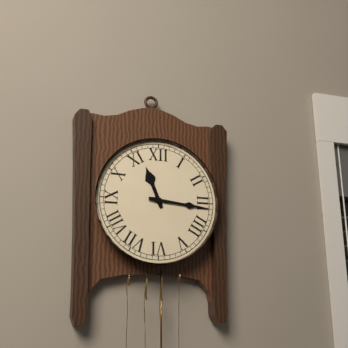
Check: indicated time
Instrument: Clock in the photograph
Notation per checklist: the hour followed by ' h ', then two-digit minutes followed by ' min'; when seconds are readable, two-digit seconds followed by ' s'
11 h 16 min
